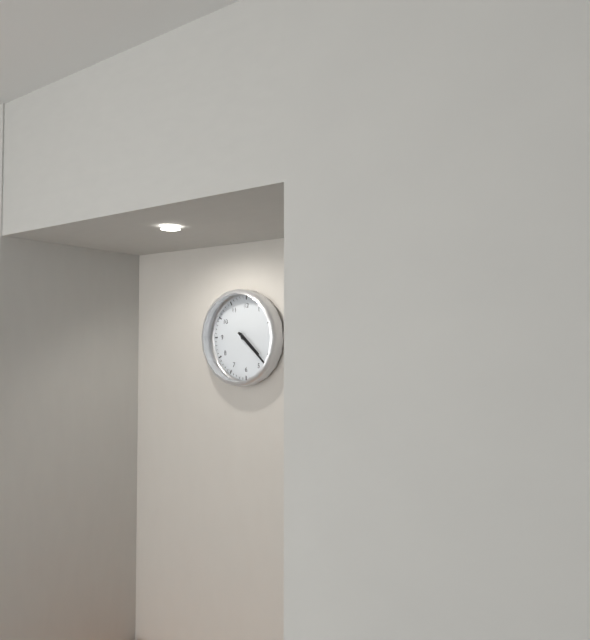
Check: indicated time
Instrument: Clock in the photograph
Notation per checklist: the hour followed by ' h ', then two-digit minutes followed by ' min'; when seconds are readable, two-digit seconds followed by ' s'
4 h 22 min
